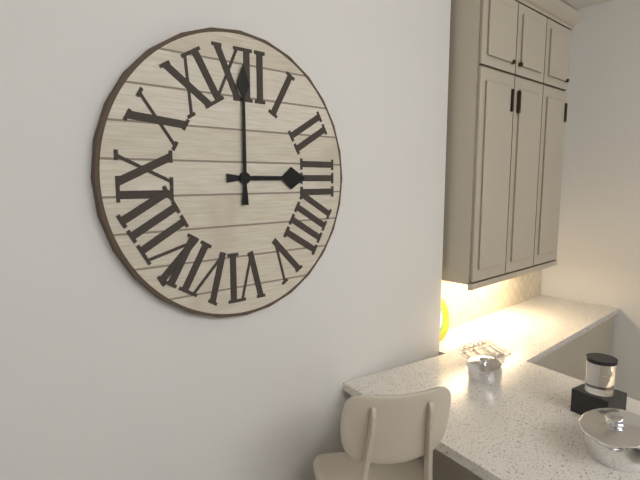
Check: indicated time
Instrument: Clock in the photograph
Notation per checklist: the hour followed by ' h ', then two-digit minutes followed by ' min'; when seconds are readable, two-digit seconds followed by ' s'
3 h 00 min
